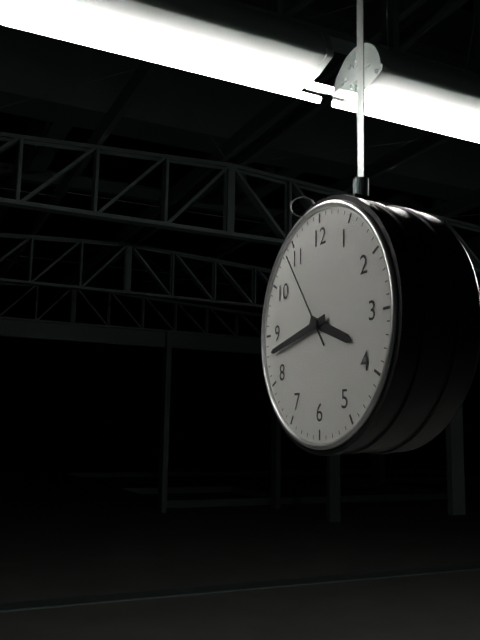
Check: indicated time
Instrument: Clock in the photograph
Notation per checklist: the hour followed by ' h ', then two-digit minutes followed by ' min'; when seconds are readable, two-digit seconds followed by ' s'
3 h 43 min 54 s
